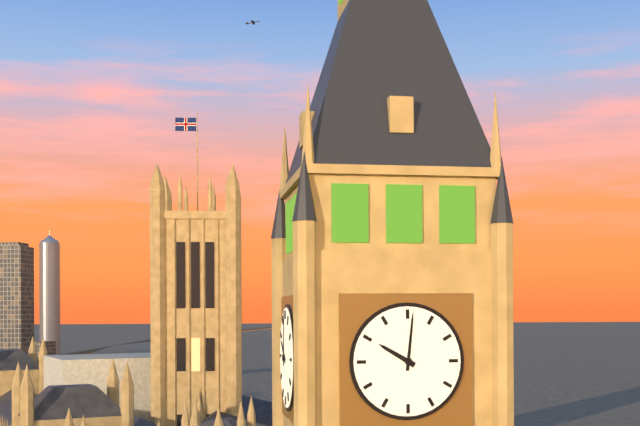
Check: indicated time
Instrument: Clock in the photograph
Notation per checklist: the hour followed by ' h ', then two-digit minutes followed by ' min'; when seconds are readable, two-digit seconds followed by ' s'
10 h 01 min
